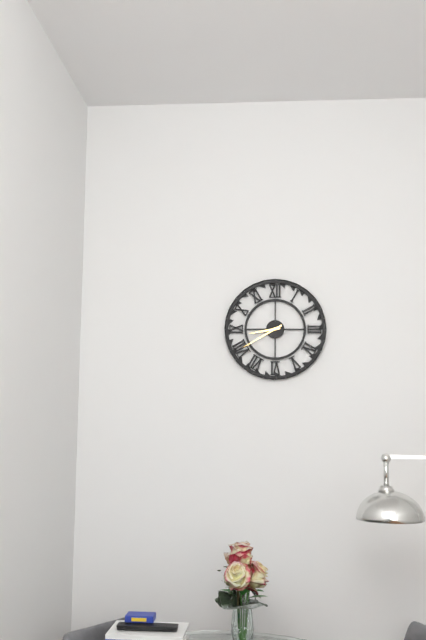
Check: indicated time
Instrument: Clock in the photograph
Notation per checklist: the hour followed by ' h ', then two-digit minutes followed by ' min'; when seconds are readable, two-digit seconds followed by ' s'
8 h 40 min
